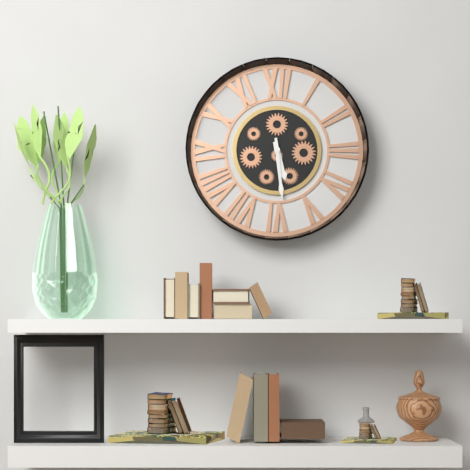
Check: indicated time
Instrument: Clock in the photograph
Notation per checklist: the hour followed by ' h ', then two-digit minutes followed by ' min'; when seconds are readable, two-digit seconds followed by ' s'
5 h 29 min
